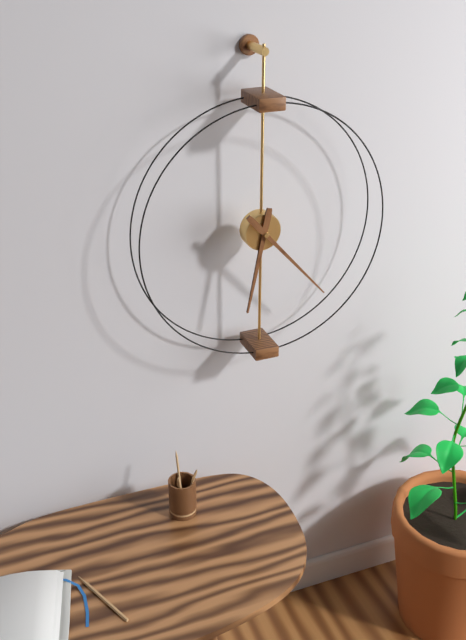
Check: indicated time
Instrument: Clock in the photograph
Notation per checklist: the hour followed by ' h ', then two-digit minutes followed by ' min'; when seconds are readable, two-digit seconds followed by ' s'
6 h 23 min
